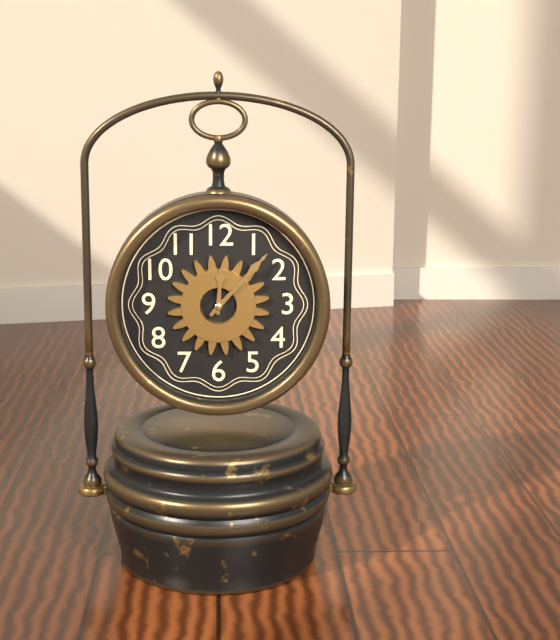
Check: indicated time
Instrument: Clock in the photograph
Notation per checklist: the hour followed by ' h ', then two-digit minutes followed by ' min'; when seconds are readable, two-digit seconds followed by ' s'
12 h 07 min
